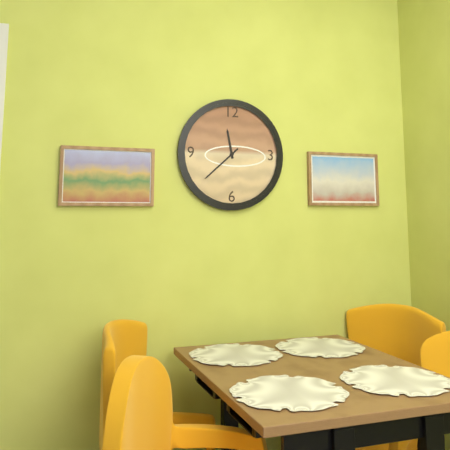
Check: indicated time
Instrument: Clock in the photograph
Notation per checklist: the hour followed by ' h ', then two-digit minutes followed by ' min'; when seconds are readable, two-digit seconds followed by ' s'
11 h 38 min
